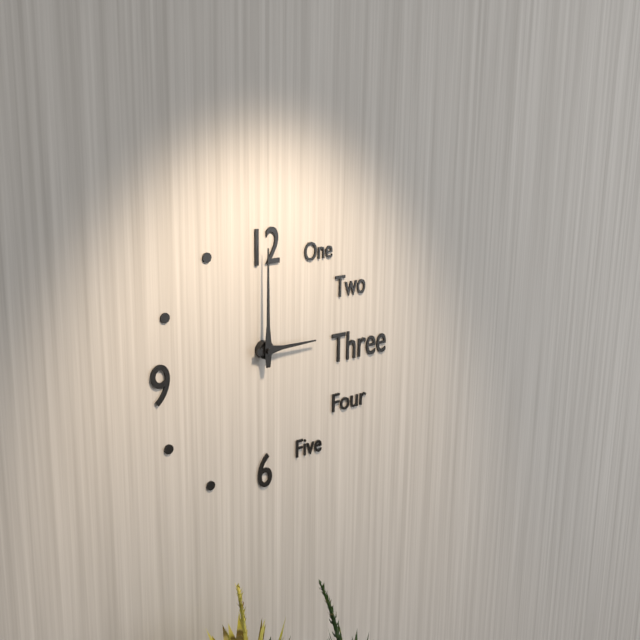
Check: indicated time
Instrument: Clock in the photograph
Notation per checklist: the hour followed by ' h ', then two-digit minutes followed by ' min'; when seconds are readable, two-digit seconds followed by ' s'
3 h 00 min
